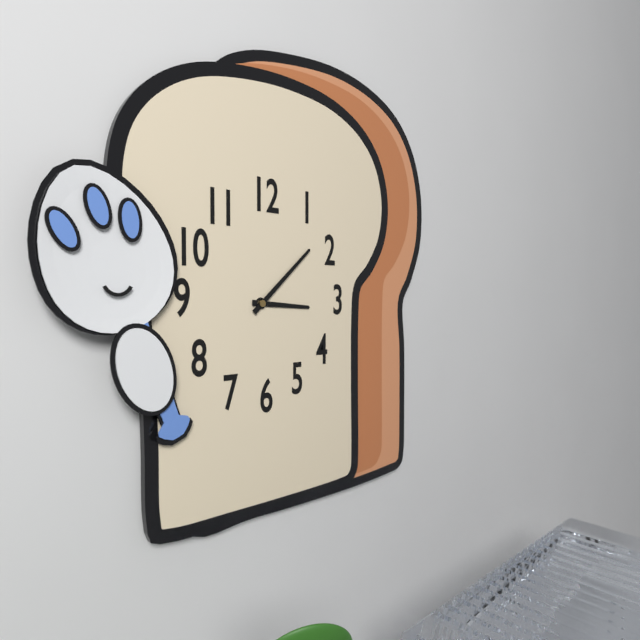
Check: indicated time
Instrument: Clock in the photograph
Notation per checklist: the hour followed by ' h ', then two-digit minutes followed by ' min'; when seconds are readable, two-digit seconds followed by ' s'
3 h 08 min
